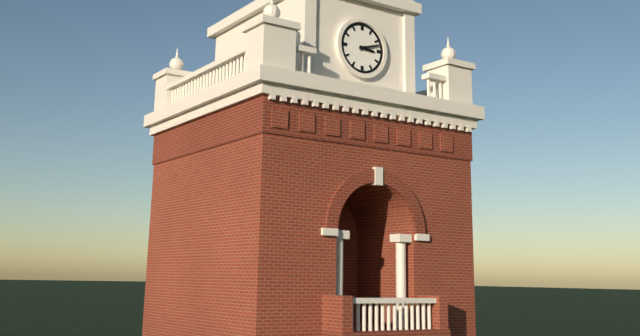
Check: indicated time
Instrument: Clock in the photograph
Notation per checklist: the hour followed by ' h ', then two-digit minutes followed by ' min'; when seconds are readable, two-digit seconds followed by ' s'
3 h 12 min
